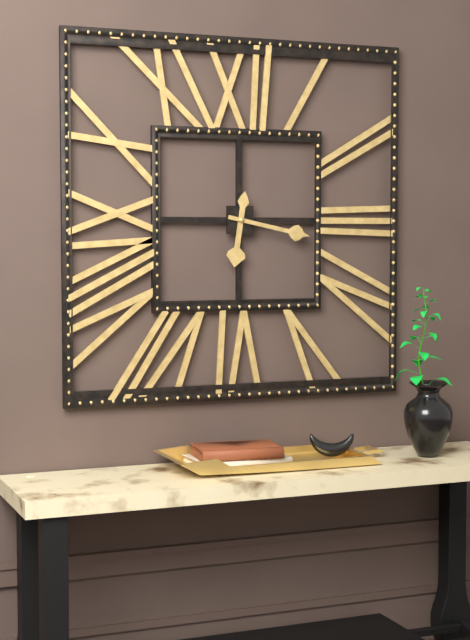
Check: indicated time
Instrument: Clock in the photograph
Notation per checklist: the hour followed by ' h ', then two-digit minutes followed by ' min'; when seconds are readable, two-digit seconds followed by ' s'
6 h 17 min
